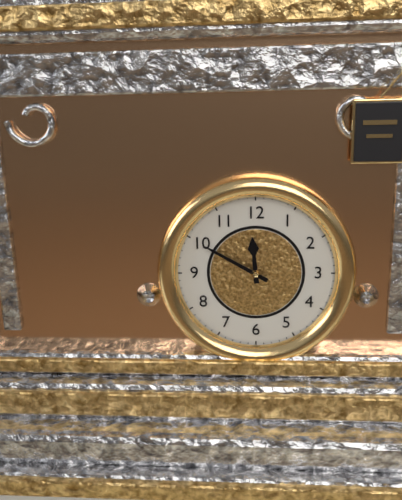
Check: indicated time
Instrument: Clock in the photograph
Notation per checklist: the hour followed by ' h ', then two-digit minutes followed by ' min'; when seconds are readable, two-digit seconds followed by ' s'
11 h 50 min
